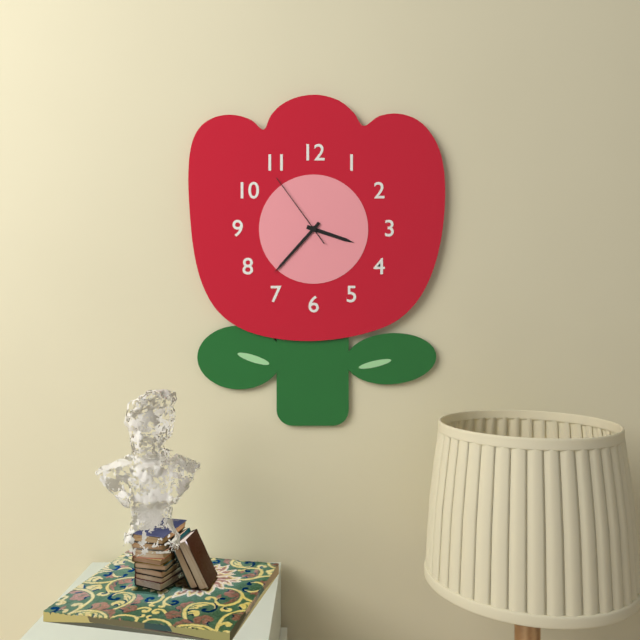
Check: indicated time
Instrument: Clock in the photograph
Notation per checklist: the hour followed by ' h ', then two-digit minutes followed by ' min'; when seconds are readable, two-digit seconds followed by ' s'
3 h 37 min 54 s
